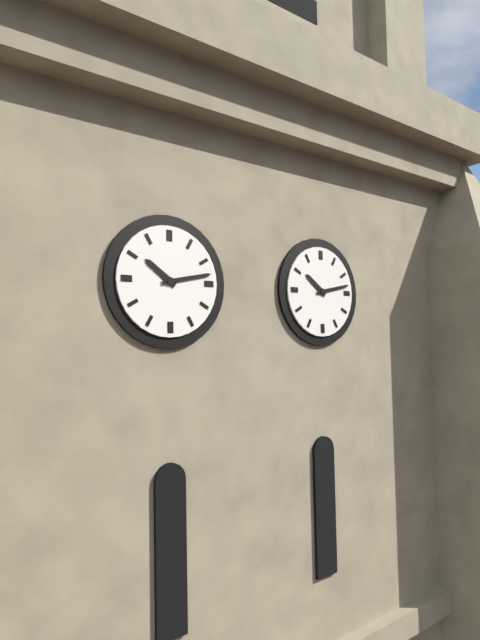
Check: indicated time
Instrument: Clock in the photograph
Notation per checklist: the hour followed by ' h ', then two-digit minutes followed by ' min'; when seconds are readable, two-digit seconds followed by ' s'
10 h 13 min
